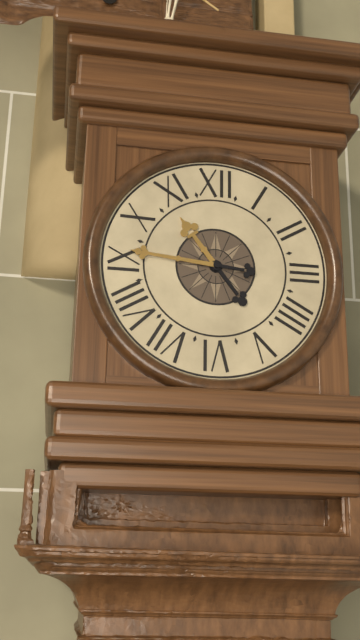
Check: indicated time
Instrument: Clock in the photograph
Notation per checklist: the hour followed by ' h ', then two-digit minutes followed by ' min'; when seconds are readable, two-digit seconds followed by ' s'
10 h 46 min
